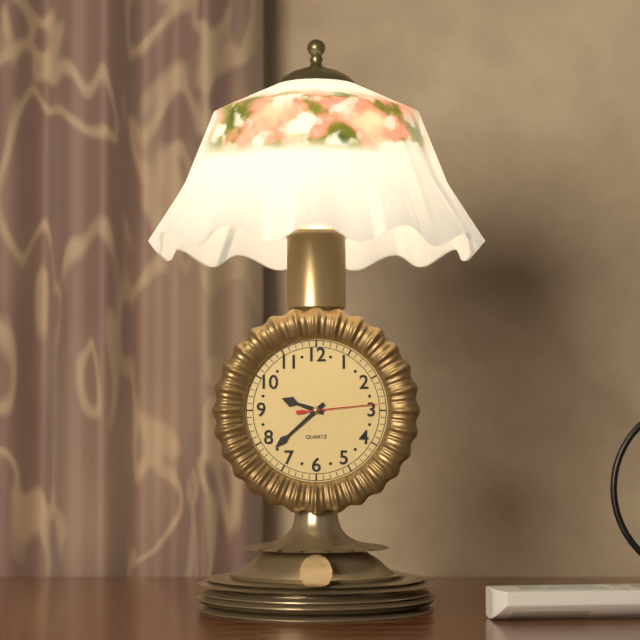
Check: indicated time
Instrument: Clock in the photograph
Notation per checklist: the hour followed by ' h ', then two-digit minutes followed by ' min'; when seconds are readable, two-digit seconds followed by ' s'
9 h 38 min 14 s
